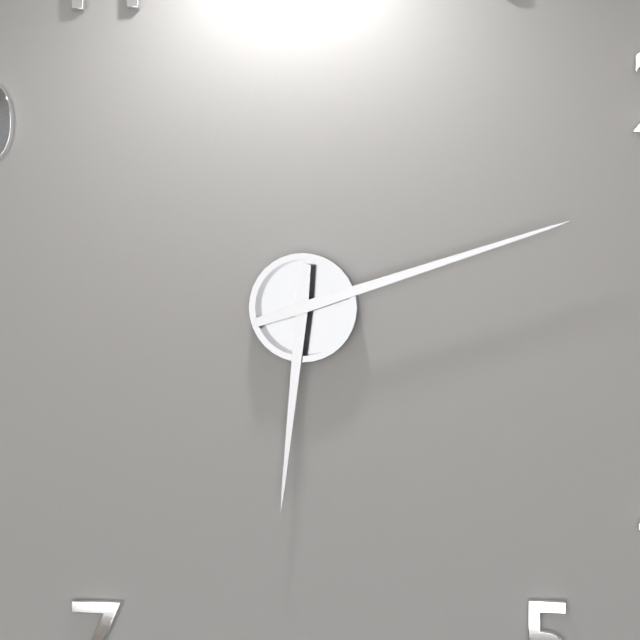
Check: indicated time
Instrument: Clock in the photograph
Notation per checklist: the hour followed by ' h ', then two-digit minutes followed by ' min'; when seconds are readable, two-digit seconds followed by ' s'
6 h 12 min
